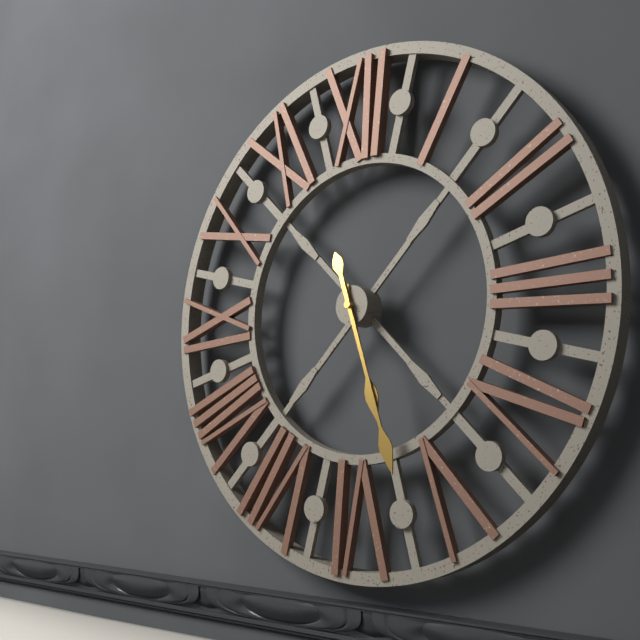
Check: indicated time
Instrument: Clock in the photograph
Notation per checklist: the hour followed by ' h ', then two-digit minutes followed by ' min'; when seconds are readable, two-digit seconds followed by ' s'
5 h 27 min
